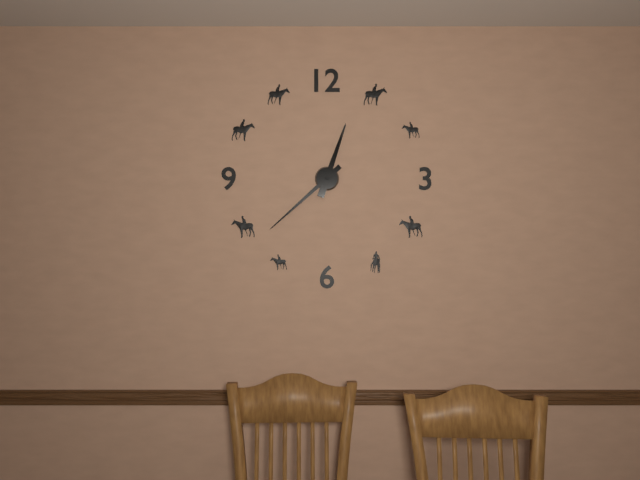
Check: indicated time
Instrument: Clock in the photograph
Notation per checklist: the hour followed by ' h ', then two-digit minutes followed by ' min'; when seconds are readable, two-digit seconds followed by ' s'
12 h 38 min
